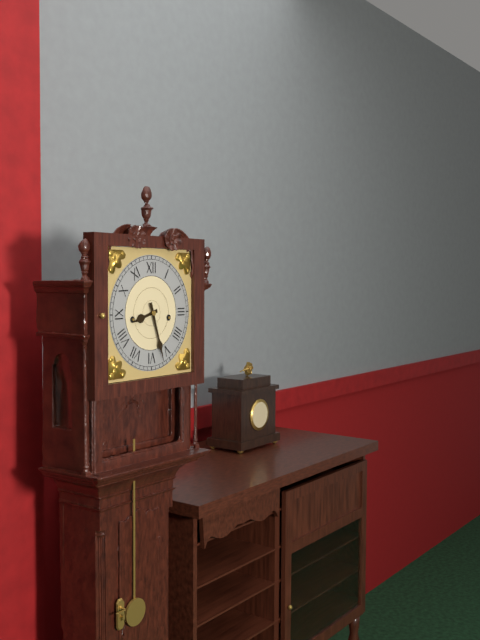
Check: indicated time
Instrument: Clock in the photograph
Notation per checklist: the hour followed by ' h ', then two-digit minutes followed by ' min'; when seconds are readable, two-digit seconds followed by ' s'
8 h 27 min
